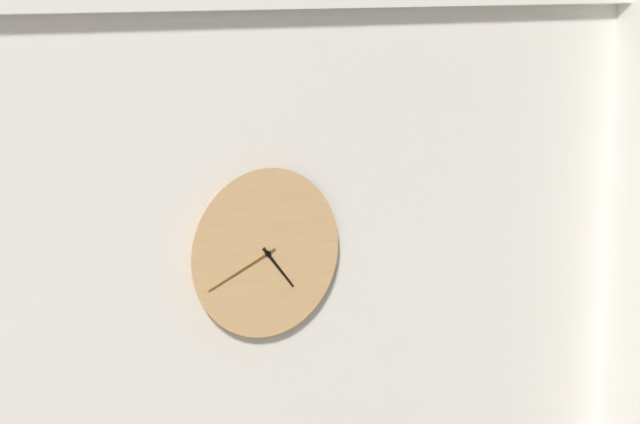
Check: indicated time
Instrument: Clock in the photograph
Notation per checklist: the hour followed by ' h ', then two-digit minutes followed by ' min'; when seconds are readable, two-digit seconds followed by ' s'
4 h 41 min
